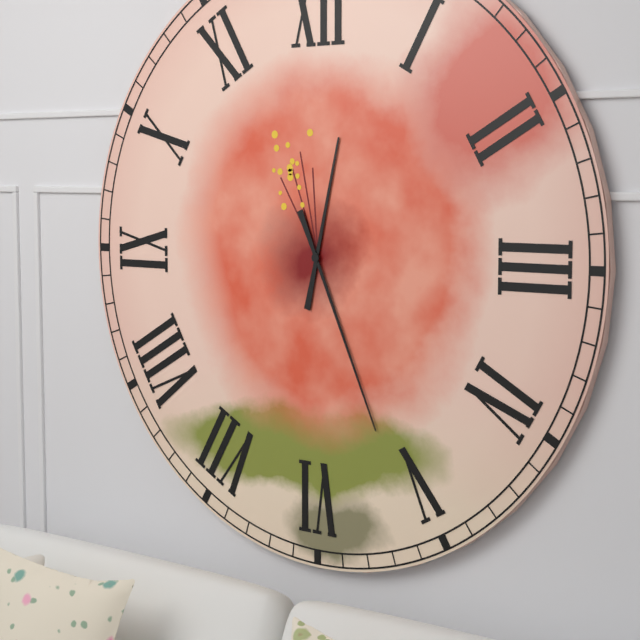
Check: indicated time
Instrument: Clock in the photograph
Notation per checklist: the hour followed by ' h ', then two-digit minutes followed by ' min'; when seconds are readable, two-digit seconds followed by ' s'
12 h 26 min
